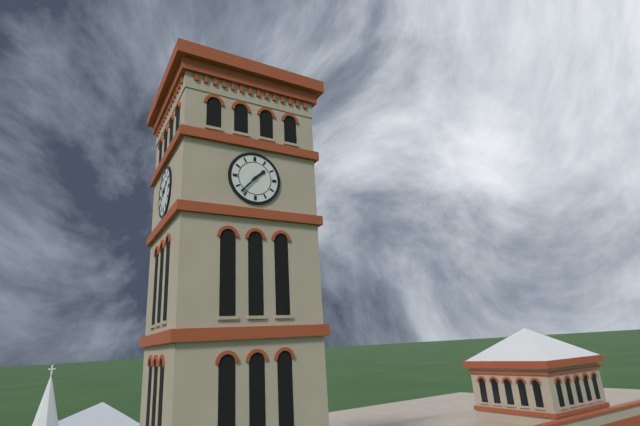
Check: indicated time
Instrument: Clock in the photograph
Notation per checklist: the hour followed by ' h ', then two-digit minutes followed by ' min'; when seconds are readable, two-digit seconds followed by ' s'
1 h 37 min
